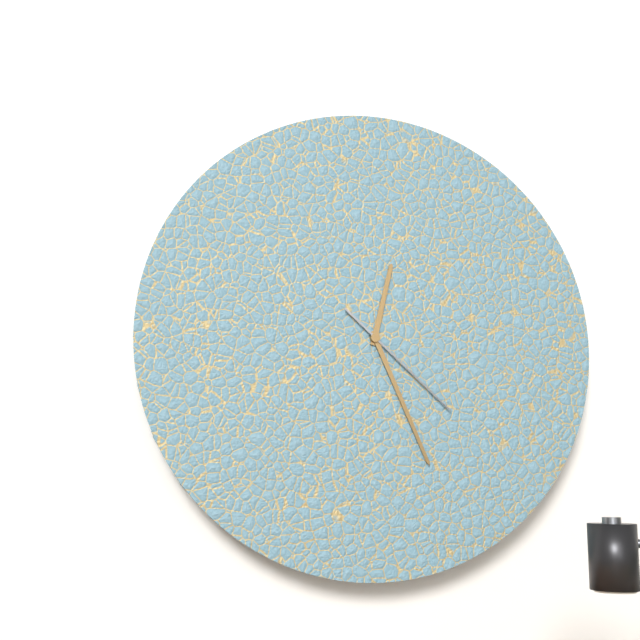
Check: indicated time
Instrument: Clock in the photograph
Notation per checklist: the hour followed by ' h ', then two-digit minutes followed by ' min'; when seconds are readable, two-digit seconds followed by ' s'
12 h 26 min 22 s
